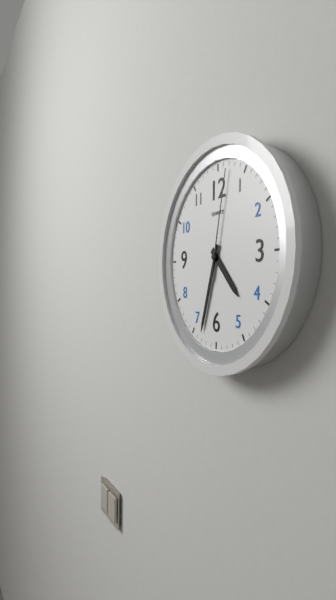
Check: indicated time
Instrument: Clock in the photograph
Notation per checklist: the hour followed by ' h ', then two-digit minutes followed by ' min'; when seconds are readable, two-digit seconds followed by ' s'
4 h 33 min 02 s
